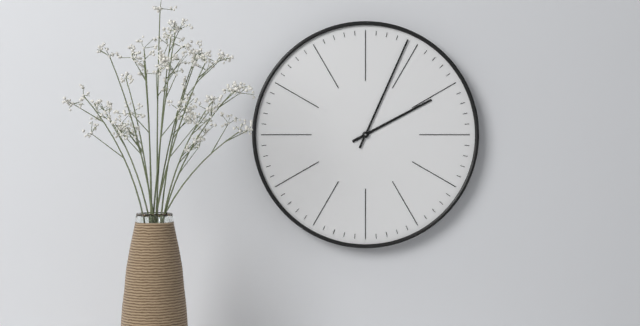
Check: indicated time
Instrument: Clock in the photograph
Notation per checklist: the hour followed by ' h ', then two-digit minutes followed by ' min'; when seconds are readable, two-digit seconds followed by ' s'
2 h 04 min
